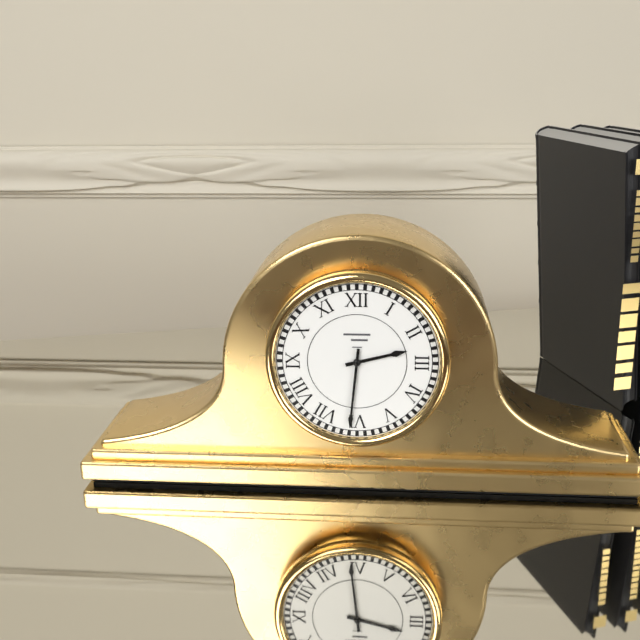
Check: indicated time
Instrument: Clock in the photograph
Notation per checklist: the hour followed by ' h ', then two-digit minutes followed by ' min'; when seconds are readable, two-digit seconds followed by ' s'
2 h 31 min
